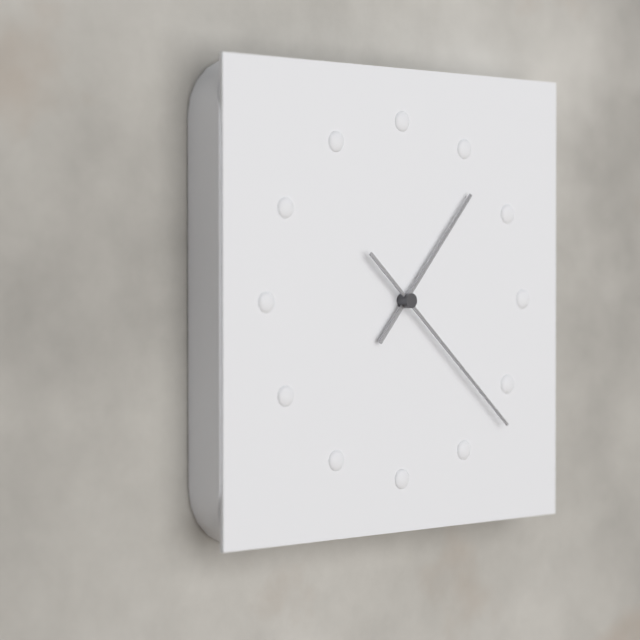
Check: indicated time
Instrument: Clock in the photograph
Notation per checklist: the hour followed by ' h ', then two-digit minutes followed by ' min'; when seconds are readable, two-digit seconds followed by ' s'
1 h 22 min
